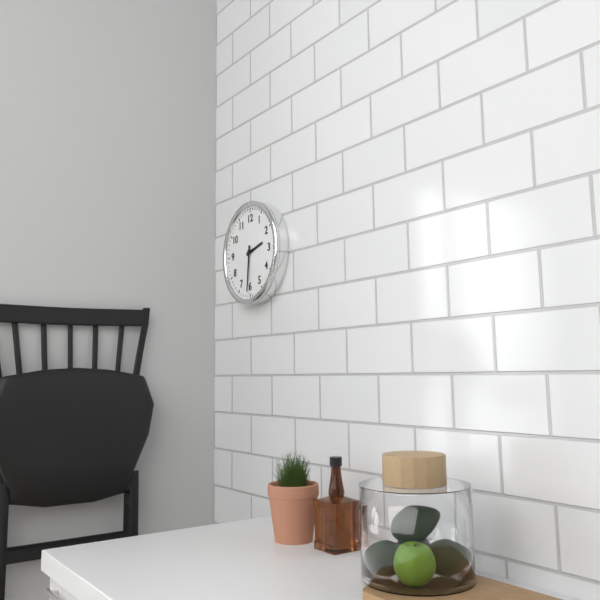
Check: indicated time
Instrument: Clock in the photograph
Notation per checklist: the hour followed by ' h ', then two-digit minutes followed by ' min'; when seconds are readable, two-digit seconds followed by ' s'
2 h 31 min
